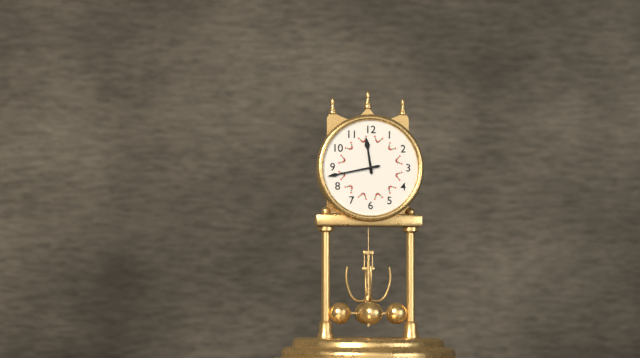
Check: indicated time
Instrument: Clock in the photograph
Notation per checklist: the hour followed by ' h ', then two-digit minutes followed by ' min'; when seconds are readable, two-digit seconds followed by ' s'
11 h 43 min
